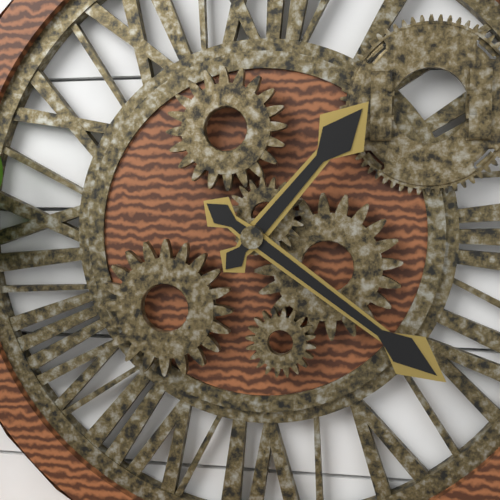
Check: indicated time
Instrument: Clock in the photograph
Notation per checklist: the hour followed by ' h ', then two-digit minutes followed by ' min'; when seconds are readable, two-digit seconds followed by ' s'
1 h 21 min
